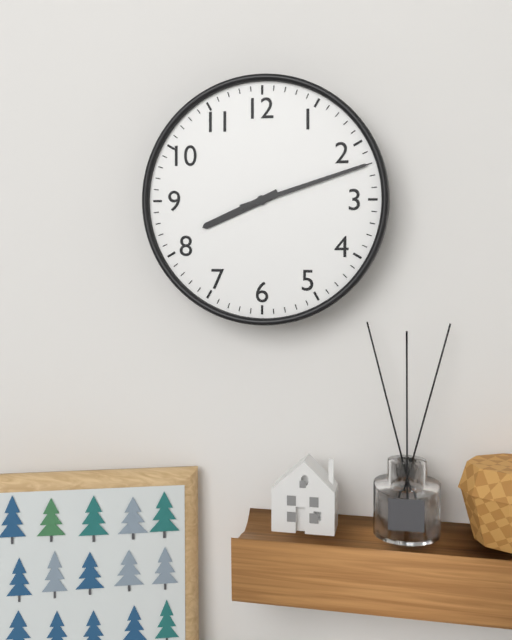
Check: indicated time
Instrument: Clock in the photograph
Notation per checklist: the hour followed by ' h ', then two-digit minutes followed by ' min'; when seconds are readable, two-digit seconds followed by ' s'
8 h 12 min
